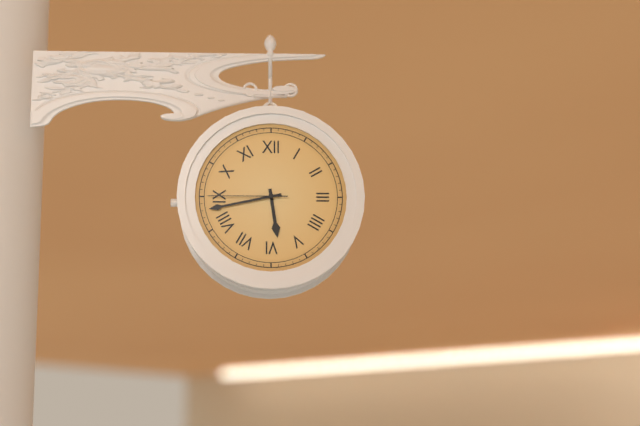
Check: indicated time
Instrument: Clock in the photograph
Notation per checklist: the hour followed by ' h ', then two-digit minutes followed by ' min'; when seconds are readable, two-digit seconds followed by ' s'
5 h 43 min 45 s
